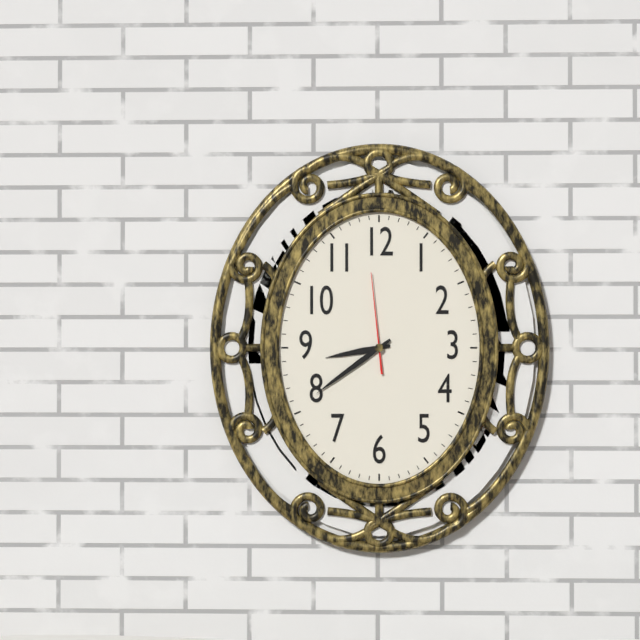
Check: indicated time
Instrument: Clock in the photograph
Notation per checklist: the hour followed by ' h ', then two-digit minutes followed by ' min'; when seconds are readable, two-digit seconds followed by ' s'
8 h 39 min 59 s
